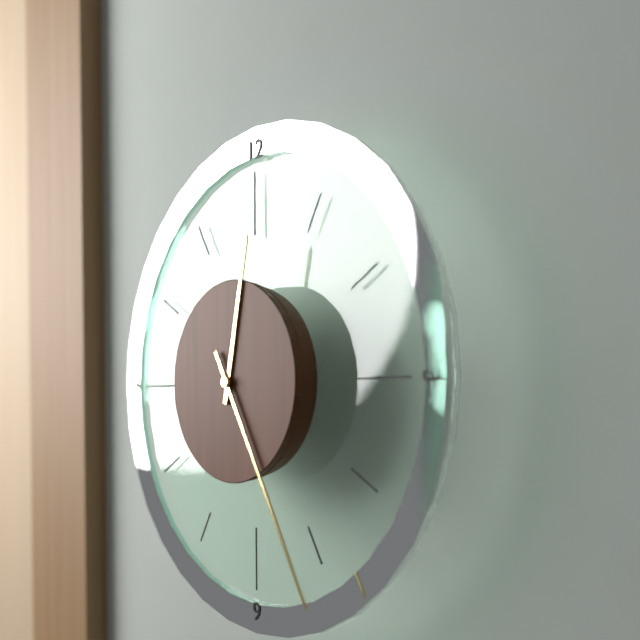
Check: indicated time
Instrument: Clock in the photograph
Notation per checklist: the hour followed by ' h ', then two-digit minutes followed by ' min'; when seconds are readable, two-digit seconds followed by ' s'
12 h 25 min
